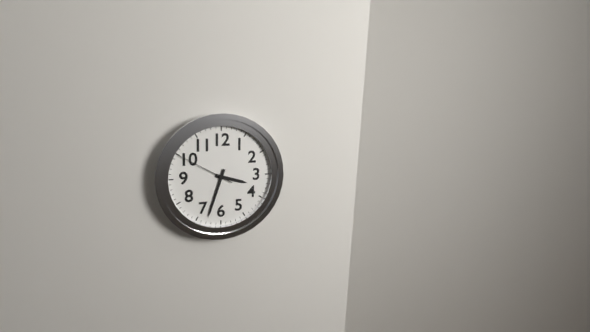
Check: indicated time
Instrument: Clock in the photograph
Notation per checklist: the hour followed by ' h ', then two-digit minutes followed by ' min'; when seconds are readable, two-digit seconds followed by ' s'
3 h 33 min 50 s
